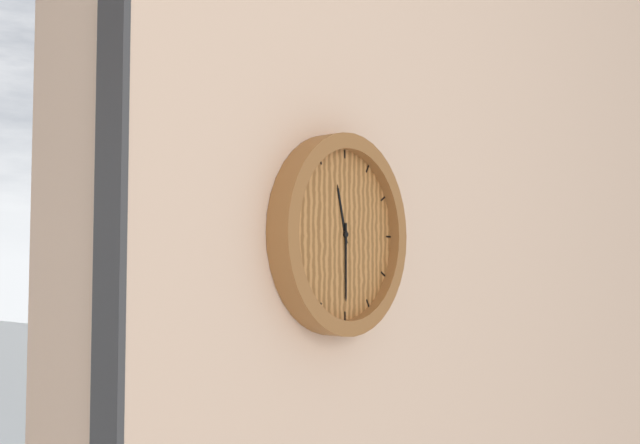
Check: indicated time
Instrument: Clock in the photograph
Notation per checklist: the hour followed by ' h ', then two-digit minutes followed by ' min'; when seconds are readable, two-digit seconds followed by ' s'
11 h 30 min
